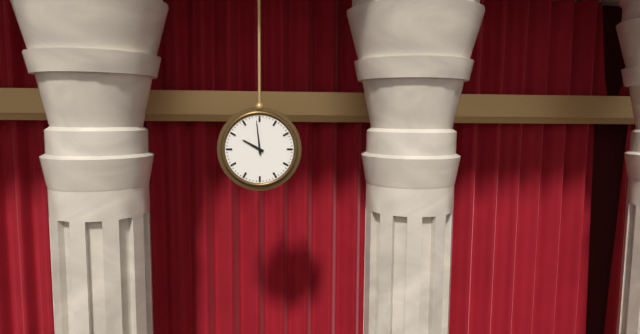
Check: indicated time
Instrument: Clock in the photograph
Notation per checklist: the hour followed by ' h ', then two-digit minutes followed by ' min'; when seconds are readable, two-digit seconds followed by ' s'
9 h 59 min
